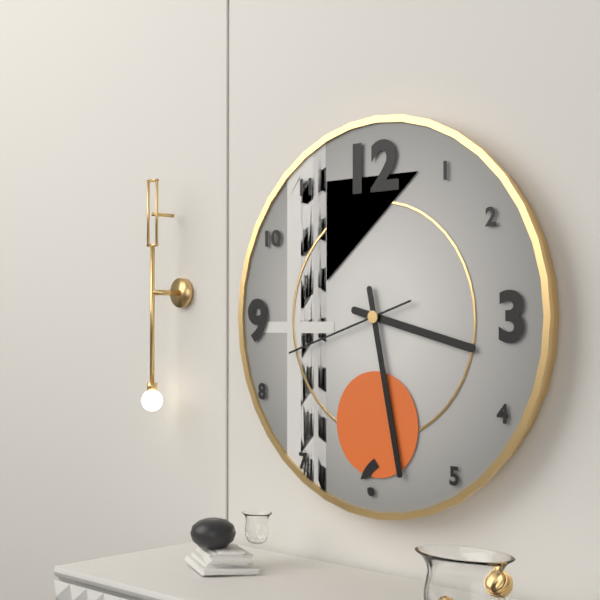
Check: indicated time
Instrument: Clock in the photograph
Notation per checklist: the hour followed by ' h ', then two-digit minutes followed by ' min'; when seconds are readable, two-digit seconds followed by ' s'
3 h 28 min 42 s
